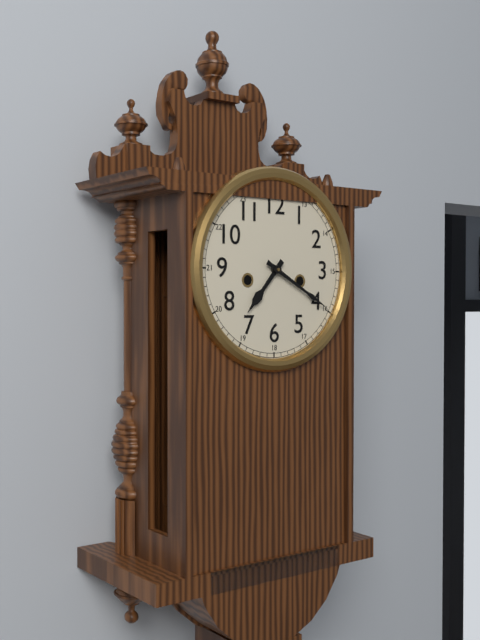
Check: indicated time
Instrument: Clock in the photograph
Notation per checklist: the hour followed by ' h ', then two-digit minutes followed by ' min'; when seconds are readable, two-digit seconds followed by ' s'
7 h 20 min
